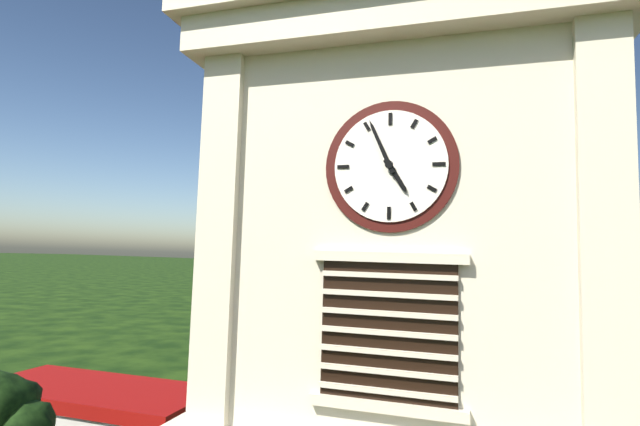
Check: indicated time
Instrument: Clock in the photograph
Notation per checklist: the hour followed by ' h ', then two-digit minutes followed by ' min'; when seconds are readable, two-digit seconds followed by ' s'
4 h 56 min
